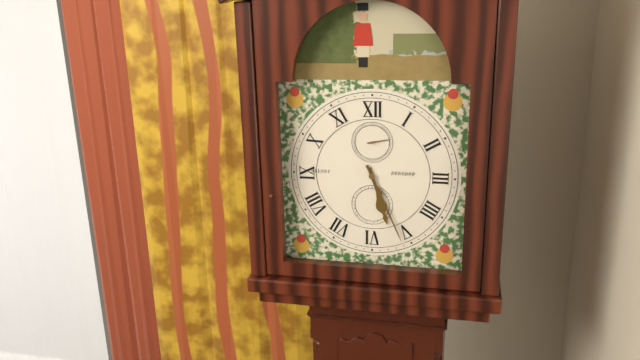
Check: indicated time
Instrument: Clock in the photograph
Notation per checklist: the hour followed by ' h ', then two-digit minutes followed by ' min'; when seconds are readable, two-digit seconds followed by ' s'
5 h 26 min
